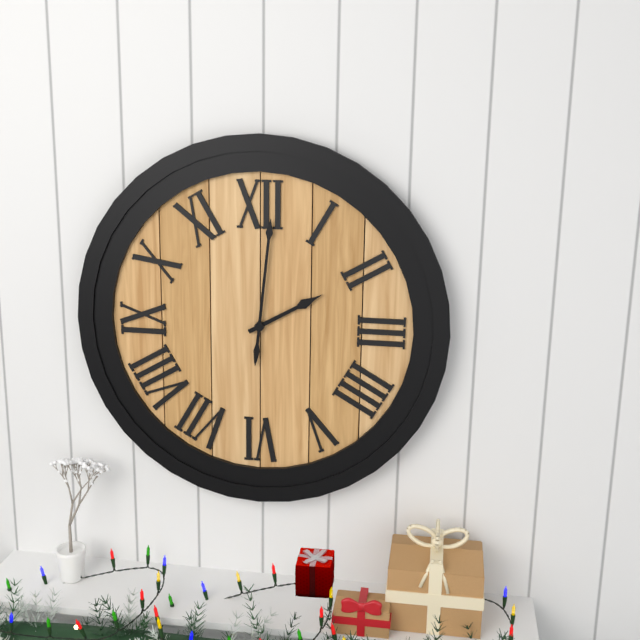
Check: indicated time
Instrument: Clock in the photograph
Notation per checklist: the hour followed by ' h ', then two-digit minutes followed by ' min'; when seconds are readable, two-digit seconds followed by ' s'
2 h 01 min
